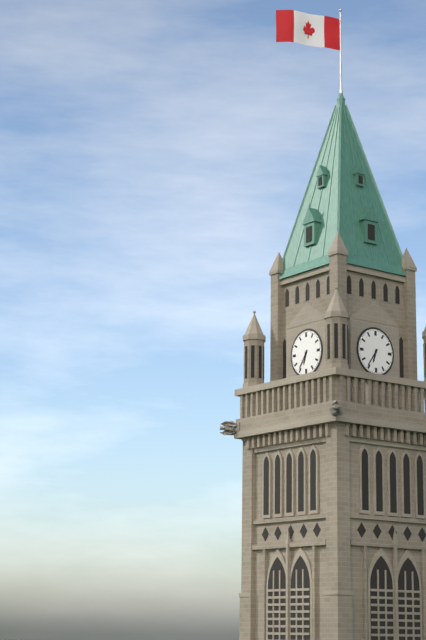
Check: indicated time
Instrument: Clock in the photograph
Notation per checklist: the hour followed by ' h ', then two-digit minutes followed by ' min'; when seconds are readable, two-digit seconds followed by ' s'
6 h 36 min
